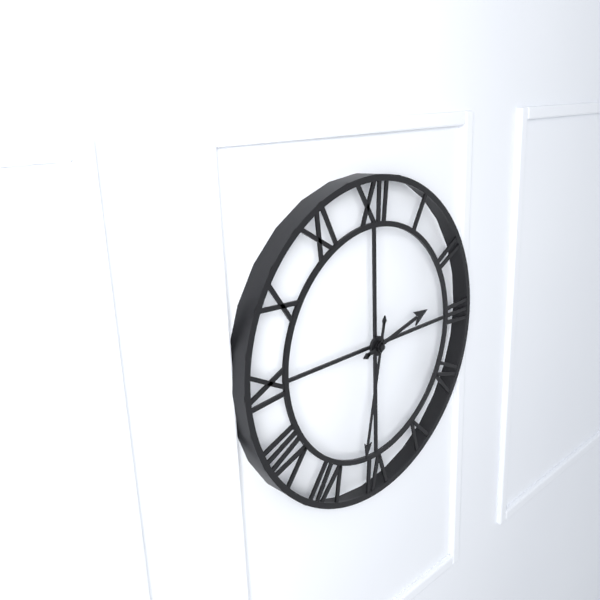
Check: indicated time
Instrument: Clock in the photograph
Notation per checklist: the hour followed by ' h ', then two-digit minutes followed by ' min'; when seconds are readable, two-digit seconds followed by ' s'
2 h 32 min
